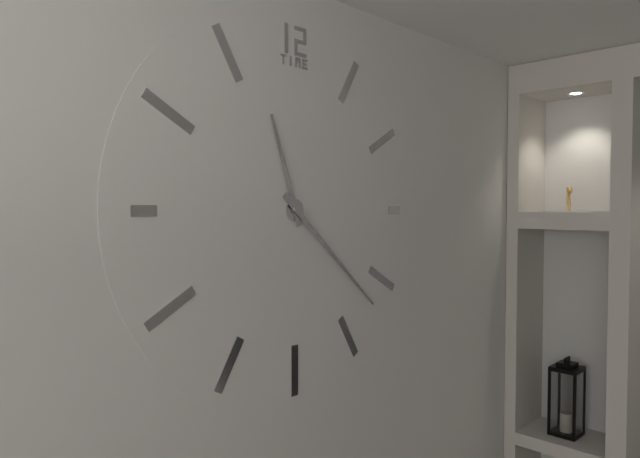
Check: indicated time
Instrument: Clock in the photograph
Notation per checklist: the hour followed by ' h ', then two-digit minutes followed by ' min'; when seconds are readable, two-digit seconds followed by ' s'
11 h 22 min
